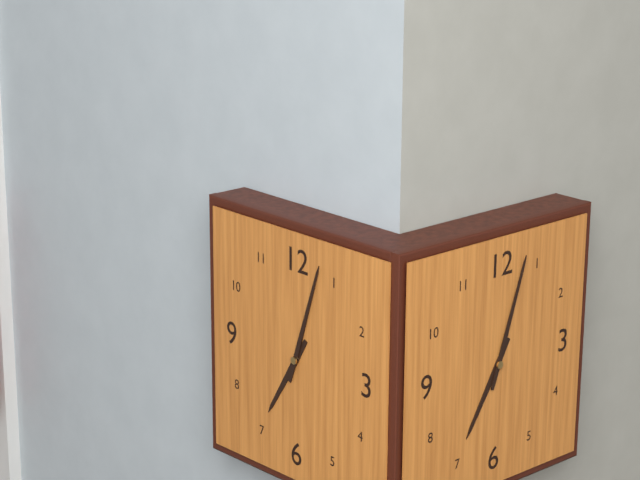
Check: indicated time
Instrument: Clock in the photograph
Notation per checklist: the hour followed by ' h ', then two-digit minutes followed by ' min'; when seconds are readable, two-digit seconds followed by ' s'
7 h 03 min
